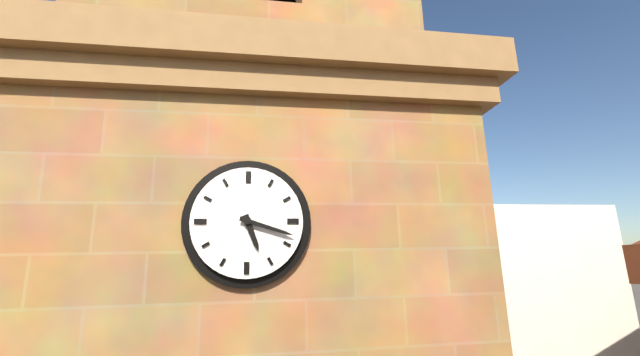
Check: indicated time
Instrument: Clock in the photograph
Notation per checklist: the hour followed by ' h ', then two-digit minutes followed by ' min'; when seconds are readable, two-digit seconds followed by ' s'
5 h 18 min
